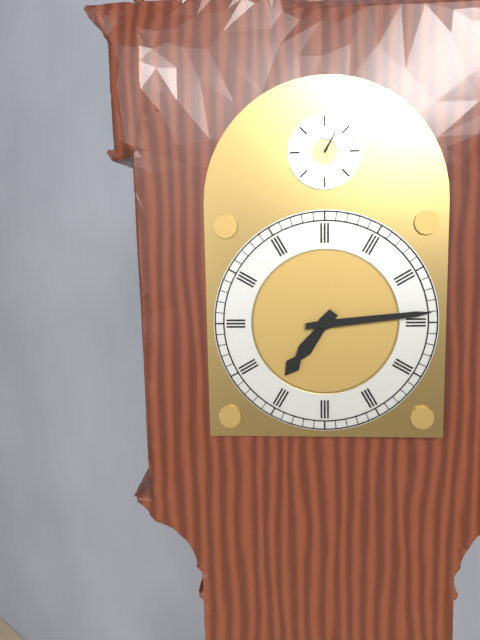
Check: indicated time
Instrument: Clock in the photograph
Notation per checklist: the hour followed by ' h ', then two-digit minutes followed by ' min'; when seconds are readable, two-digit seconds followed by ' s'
7 h 14 min
